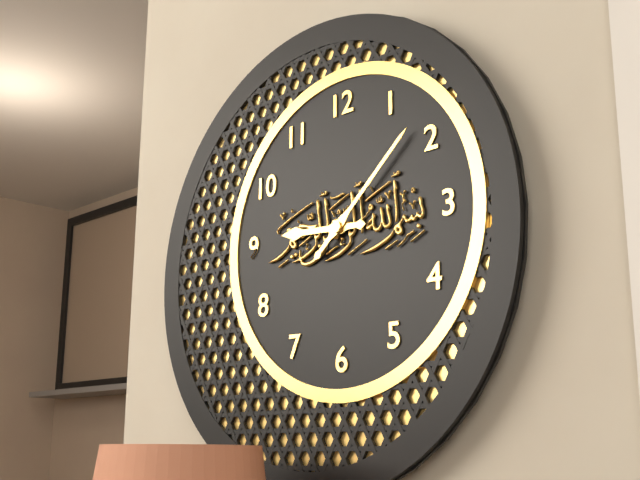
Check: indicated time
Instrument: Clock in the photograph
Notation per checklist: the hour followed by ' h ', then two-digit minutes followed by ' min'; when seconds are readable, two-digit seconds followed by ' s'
9 h 08 min
